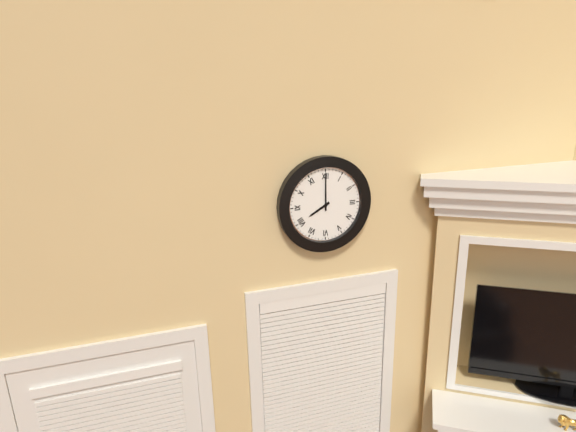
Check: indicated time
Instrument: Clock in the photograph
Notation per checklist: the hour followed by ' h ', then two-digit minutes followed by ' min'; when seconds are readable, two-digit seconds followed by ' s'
8 h 00 min
